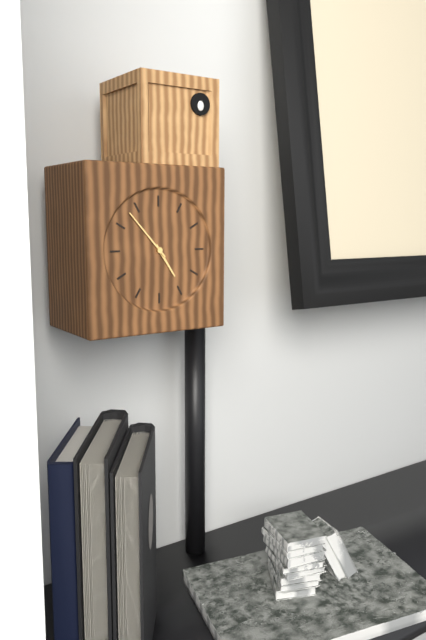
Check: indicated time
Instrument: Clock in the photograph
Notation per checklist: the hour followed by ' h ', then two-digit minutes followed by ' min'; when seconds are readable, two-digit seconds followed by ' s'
4 h 53 min
